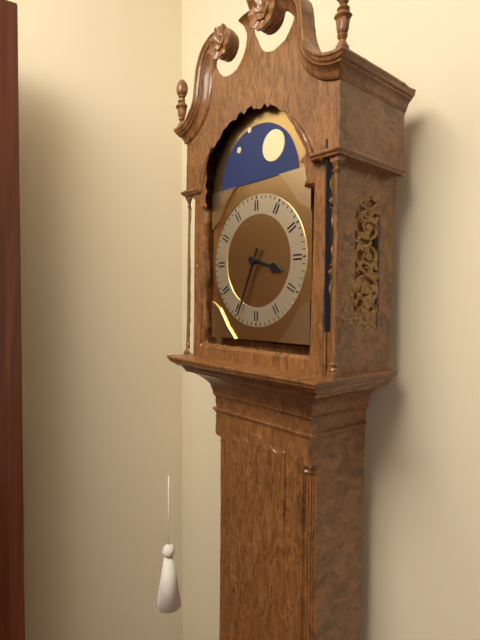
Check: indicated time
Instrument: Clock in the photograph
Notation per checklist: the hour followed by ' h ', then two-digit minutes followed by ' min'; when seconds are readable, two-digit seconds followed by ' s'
3 h 34 min
